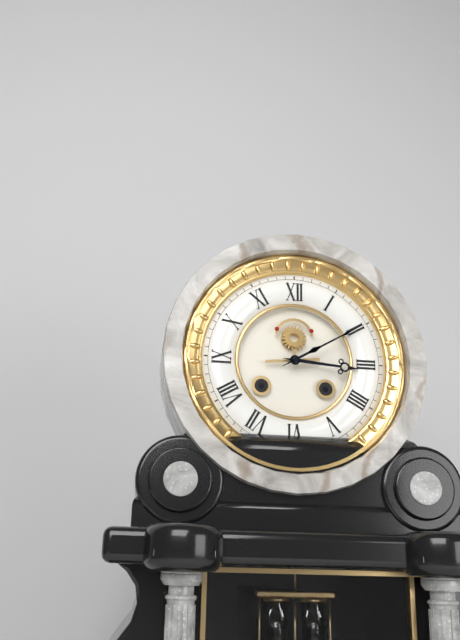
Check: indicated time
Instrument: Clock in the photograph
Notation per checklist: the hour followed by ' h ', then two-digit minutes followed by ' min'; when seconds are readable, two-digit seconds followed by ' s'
3 h 10 min
